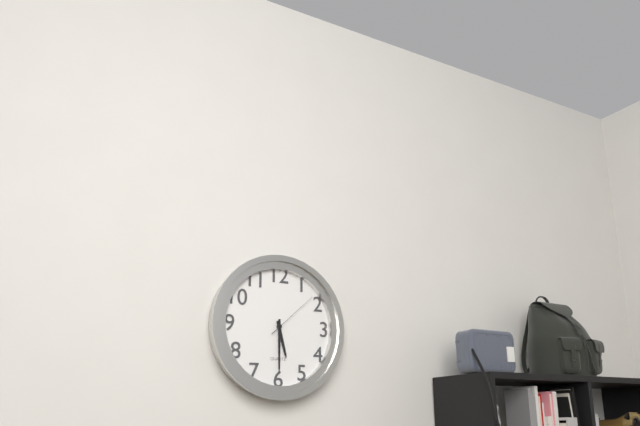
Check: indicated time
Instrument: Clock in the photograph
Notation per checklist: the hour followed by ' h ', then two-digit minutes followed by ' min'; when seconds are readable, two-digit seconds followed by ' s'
5 h 30 min 08 s
